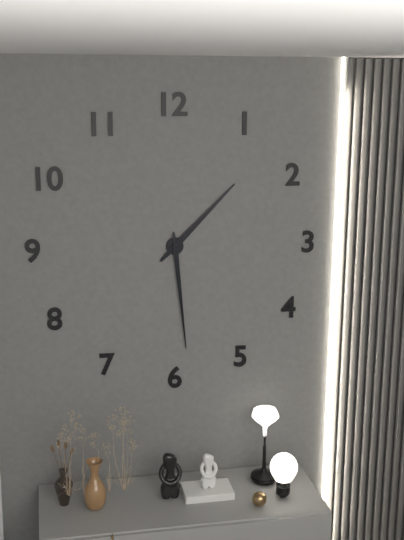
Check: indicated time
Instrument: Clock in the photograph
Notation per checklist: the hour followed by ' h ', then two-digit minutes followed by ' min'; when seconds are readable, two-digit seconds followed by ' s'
1 h 29 min
